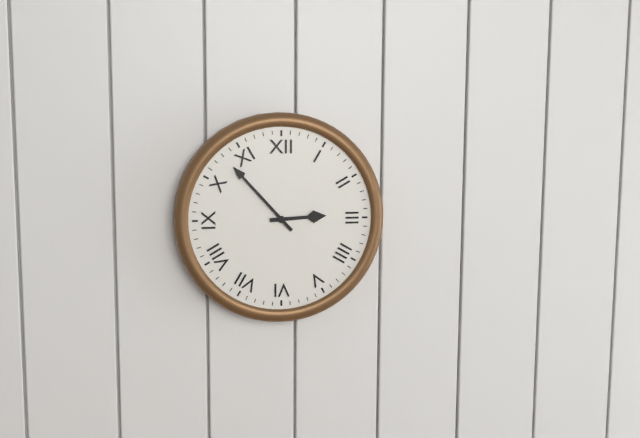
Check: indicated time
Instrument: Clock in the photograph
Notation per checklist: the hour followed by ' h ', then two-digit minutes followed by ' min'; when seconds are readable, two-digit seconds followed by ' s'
2 h 53 min
